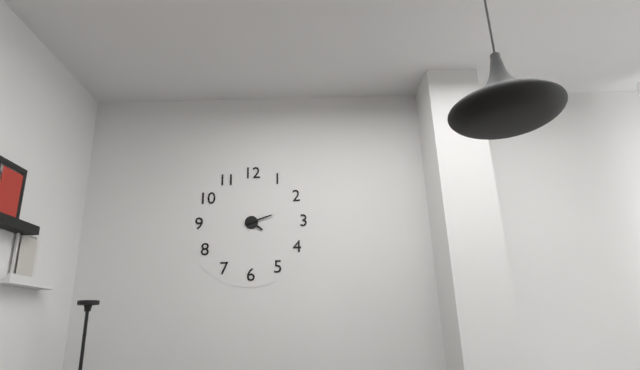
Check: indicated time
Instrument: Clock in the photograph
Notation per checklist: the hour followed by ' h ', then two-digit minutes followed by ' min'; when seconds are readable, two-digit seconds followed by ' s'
4 h 12 min
